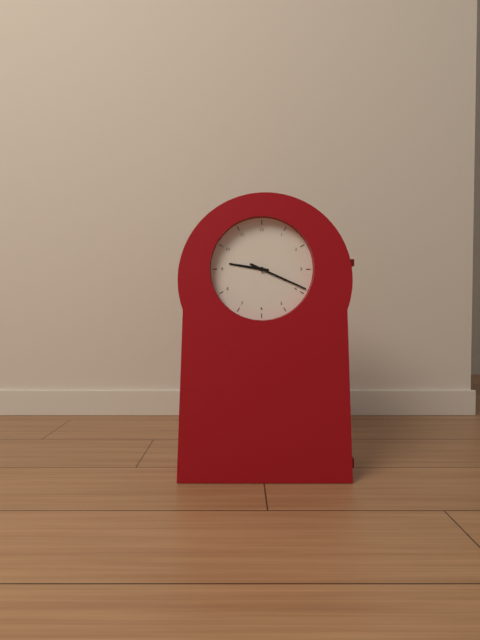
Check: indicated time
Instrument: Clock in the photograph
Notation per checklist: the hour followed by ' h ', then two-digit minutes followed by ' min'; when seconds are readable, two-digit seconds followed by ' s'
9 h 19 min
